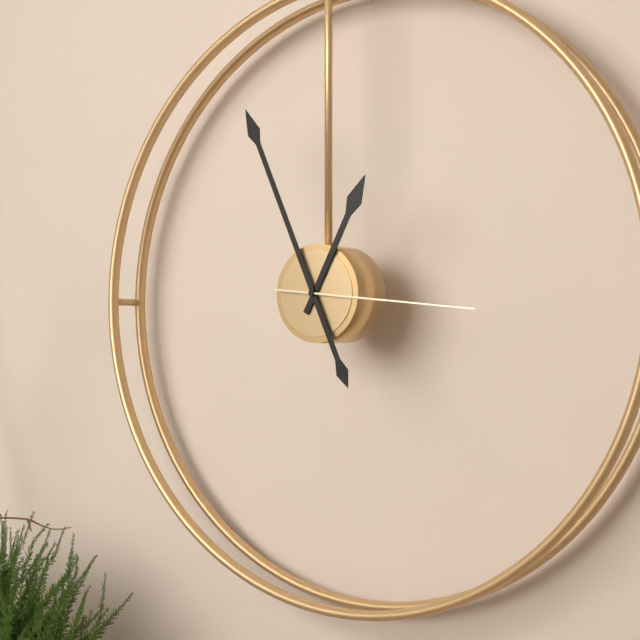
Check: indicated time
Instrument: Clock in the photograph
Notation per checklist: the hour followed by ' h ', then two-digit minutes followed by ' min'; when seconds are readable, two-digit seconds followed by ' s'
12 h 56 min 16 s
